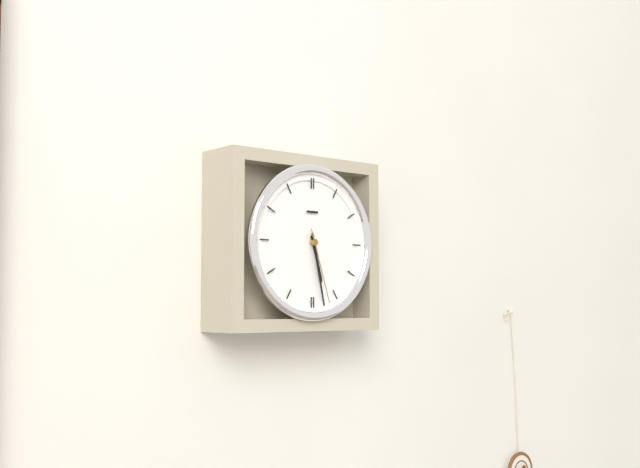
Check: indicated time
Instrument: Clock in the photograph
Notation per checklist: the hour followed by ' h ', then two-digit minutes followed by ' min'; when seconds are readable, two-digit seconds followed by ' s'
5 h 28 min 27 s
